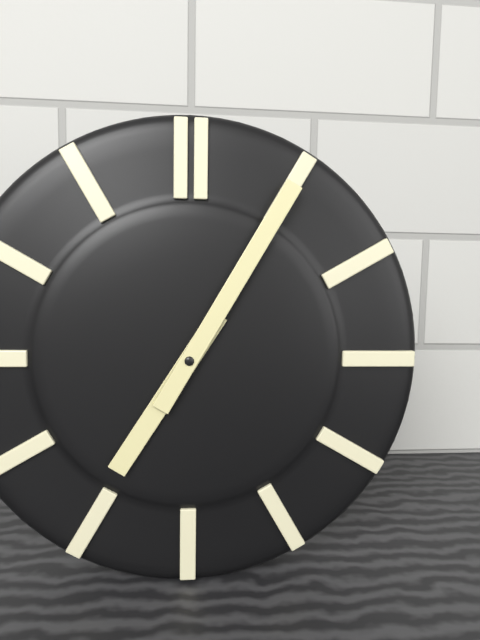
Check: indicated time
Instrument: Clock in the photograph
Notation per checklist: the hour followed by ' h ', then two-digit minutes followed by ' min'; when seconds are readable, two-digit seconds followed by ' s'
7 h 05 min
